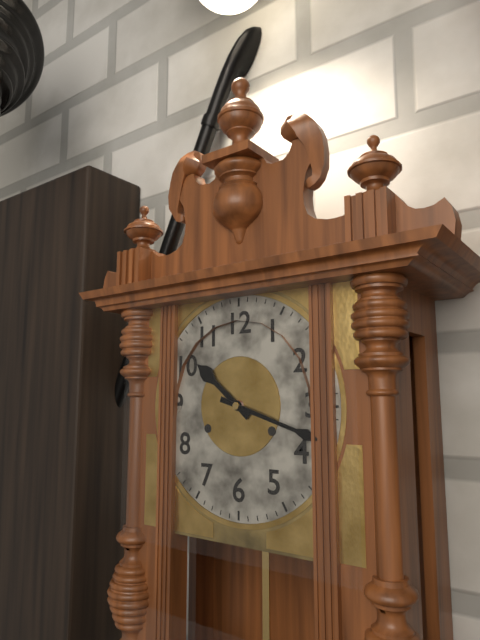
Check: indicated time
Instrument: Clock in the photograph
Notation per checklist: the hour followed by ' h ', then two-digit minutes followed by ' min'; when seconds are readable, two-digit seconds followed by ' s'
10 h 18 min
